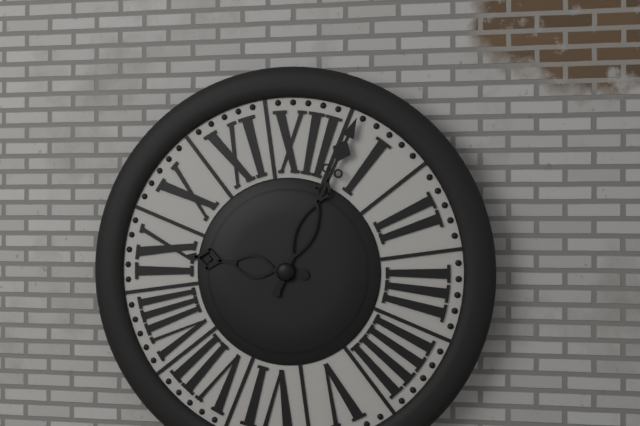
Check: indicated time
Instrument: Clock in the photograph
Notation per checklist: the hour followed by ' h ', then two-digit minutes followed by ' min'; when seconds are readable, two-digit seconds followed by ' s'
9 h 03 min
